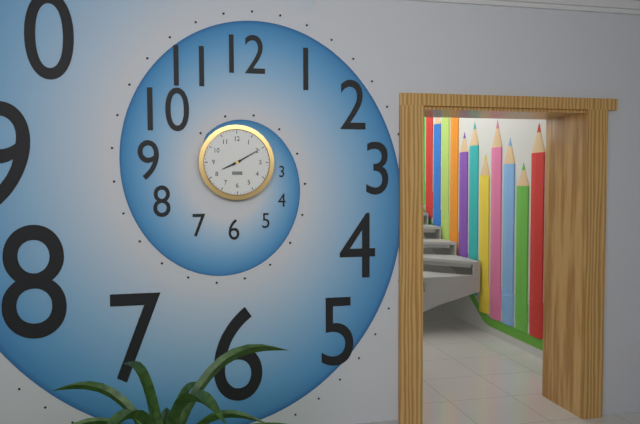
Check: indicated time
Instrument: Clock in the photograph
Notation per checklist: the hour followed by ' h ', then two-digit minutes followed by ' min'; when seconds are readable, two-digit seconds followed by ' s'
8 h 10 min
